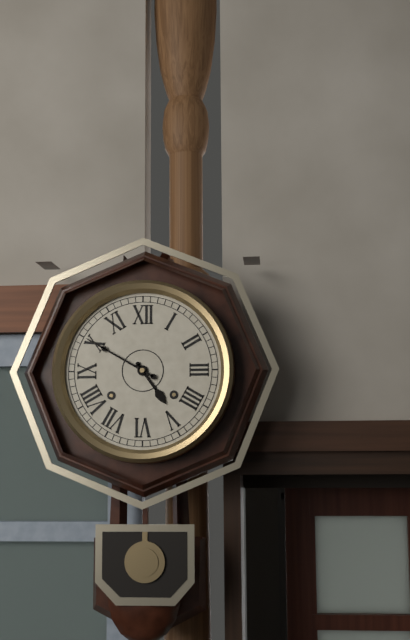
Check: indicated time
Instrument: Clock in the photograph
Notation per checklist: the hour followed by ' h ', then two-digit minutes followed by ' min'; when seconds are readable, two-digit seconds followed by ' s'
4 h 50 min
